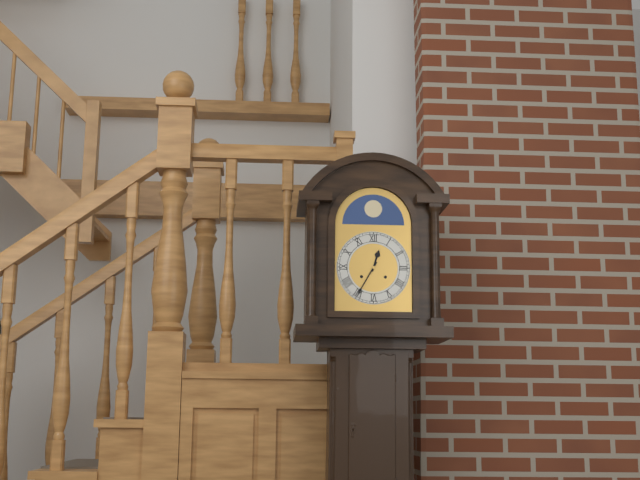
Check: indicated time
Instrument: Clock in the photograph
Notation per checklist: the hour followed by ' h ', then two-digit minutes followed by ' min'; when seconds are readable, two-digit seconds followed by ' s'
12 h 35 min
